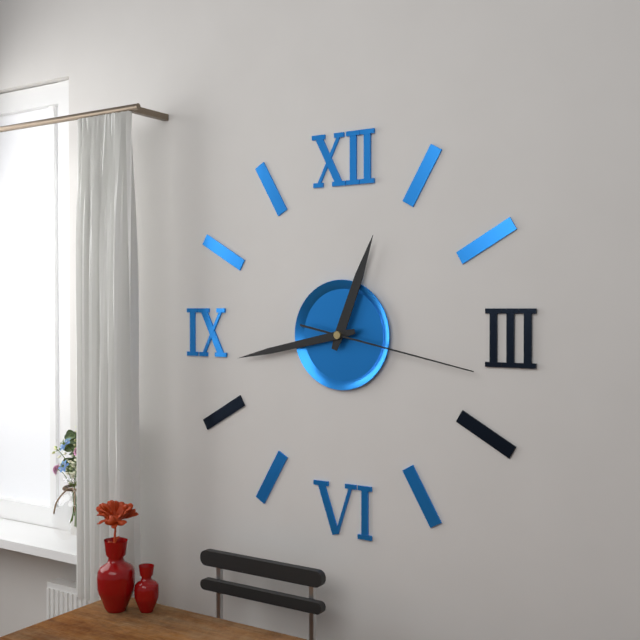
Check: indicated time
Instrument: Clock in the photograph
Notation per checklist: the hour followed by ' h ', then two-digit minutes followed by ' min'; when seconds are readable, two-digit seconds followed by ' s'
12 h 43 min 17 s
